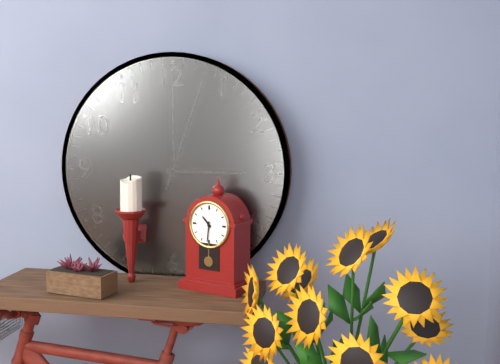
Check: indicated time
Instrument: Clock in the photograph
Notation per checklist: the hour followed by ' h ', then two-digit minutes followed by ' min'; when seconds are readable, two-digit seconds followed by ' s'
10 h 31 min
